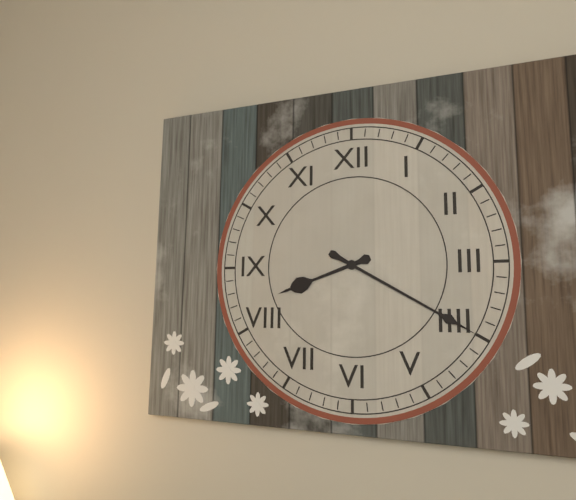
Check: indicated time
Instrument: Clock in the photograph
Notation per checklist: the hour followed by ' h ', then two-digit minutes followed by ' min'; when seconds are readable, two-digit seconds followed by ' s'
8 h 20 min
